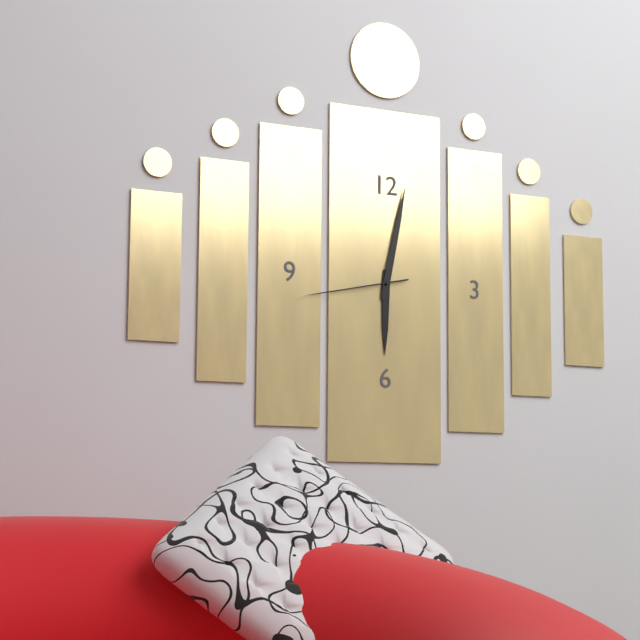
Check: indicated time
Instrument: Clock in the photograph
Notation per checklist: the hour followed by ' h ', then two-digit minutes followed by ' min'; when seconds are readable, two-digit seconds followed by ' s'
6 h 02 min 43 s
